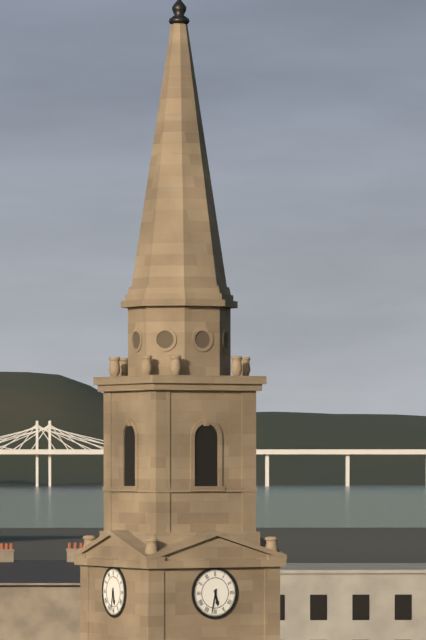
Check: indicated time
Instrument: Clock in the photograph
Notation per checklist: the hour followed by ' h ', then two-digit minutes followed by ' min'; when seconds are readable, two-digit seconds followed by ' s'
5 h 32 min
